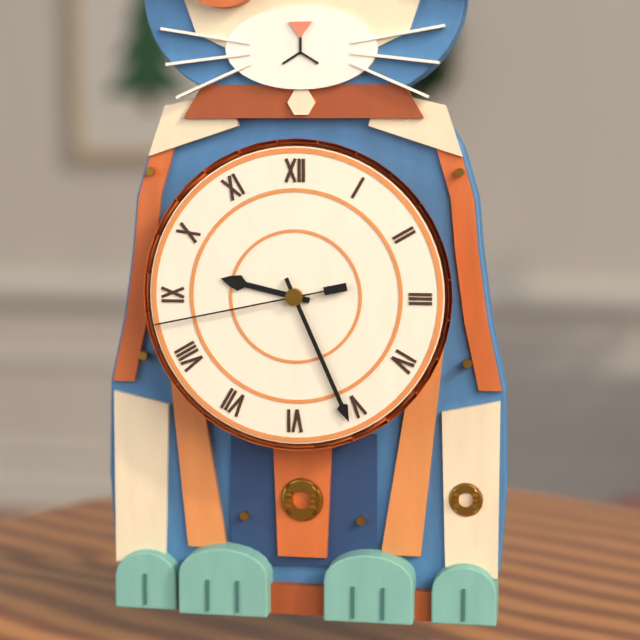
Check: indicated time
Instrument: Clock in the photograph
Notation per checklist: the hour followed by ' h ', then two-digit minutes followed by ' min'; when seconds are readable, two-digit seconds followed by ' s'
9 h 26 min 43 s
